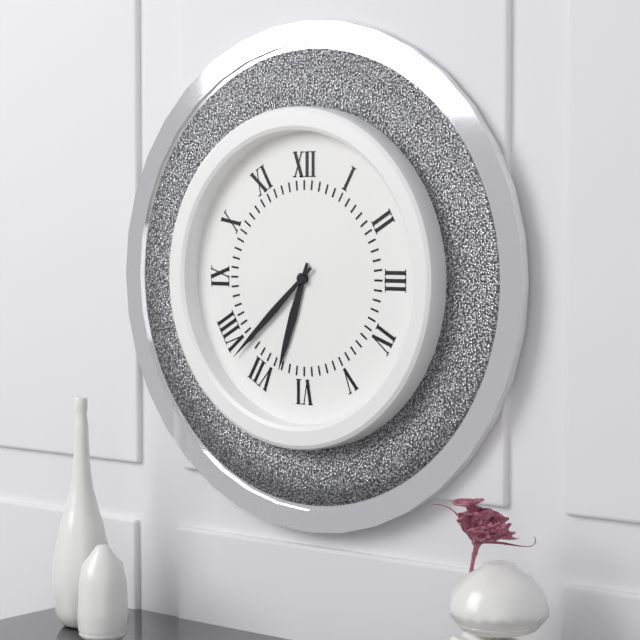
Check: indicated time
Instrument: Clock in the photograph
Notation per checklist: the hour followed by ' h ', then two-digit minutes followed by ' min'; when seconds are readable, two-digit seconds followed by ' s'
6 h 38 min
